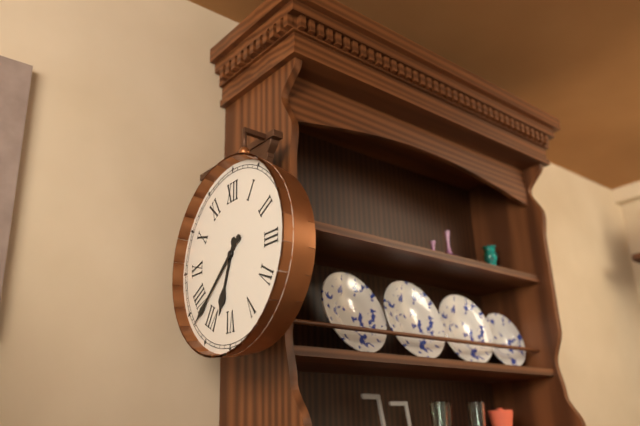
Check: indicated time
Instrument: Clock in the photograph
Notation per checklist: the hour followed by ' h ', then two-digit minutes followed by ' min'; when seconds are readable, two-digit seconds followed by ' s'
6 h 38 min
